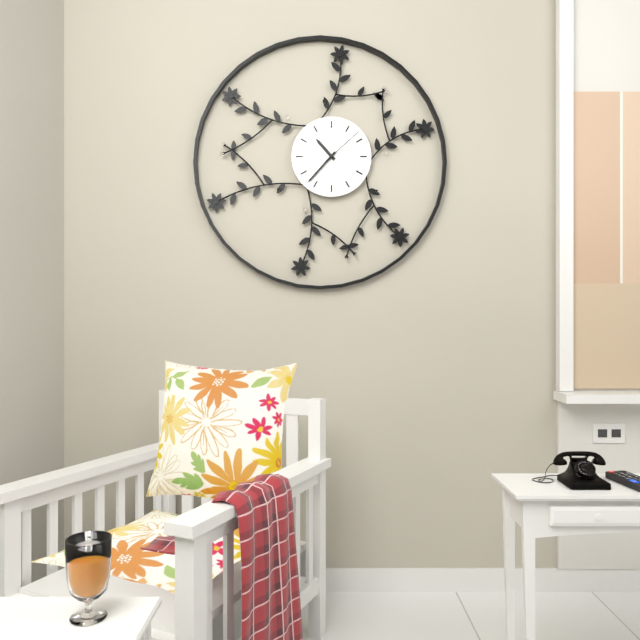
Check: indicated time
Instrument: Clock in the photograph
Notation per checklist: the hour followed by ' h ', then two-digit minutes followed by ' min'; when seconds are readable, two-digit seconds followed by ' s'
10 h 37 min
